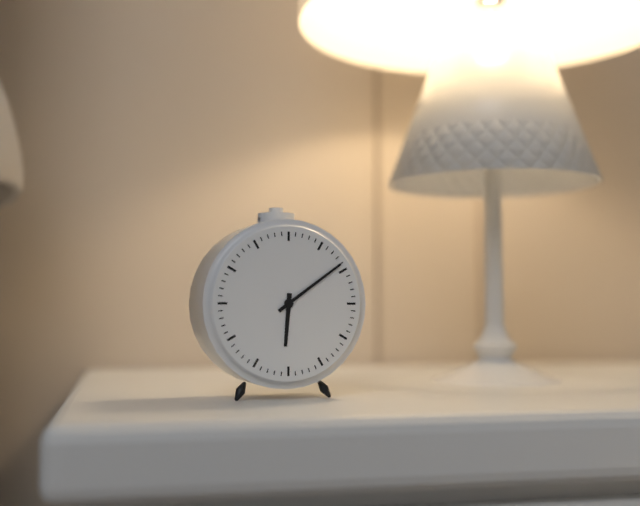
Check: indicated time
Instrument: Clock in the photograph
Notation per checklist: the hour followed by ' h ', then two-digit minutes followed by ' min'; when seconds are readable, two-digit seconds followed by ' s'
6 h 09 min
